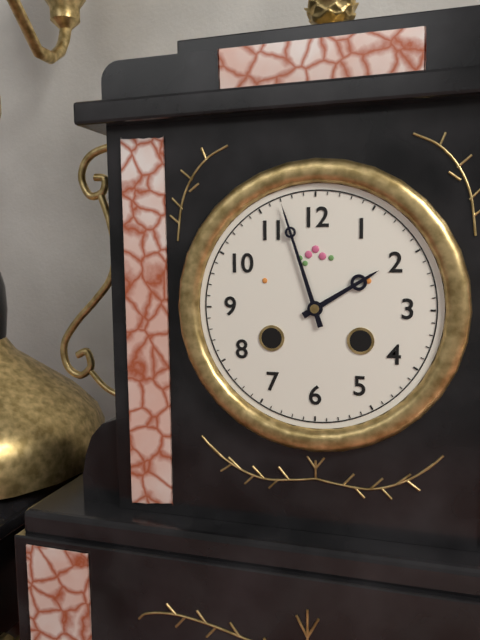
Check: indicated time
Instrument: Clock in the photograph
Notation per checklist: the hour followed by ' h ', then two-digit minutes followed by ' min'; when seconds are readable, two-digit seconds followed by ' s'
1 h 57 min
